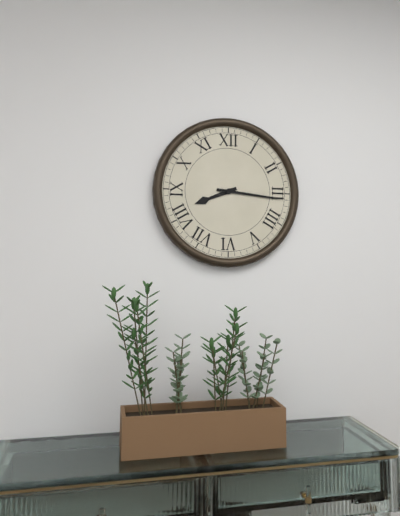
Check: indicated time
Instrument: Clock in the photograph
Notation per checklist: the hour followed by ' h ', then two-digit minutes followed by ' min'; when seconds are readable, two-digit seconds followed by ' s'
8 h 16 min
